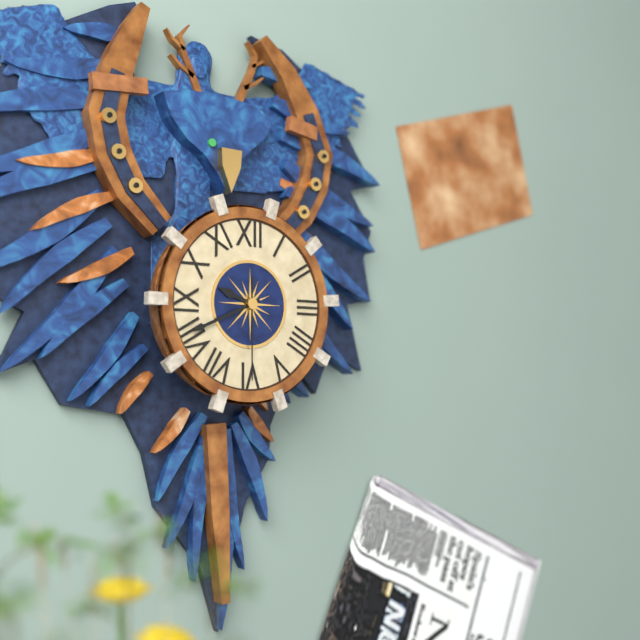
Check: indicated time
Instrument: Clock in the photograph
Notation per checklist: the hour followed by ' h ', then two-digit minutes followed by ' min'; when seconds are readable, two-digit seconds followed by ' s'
9 h 41 min 30 s
